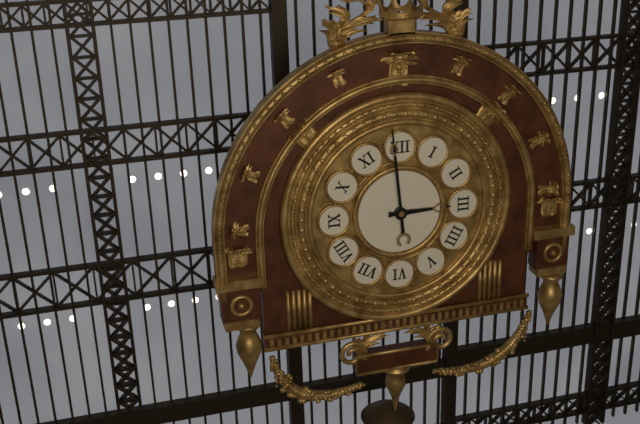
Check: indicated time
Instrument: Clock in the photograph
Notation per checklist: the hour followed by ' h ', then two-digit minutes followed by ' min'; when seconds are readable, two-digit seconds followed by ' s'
2 h 59 min
